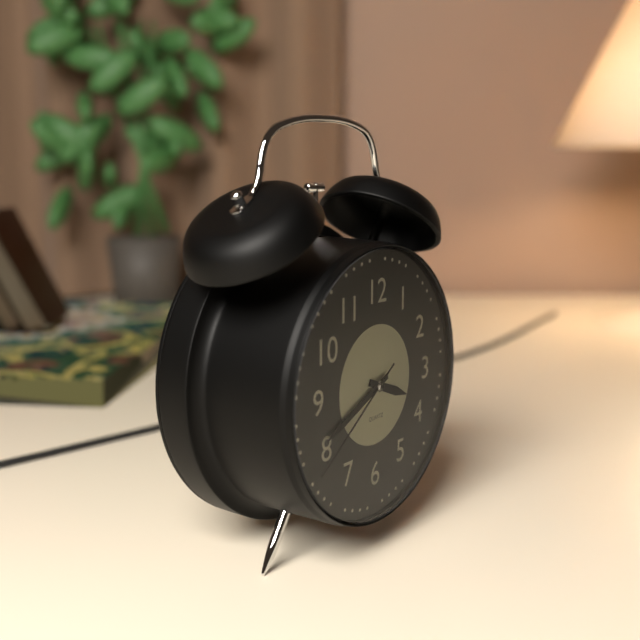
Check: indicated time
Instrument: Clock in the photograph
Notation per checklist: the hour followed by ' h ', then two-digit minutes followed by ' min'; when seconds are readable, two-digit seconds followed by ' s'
3 h 41 min 39 s
